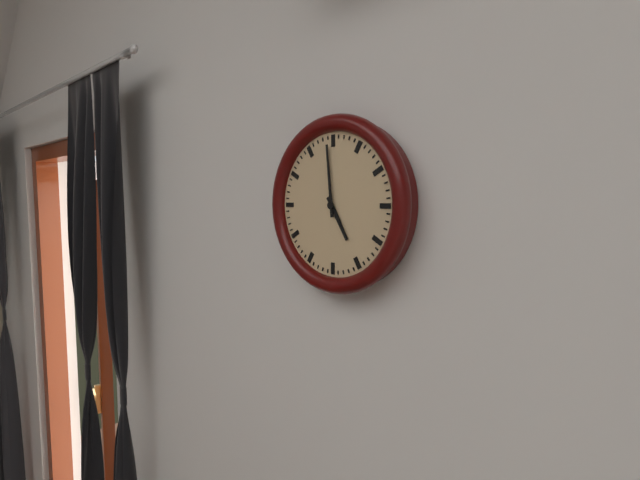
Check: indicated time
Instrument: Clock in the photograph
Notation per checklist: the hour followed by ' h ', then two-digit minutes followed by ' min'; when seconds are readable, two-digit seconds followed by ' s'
4 h 59 min
